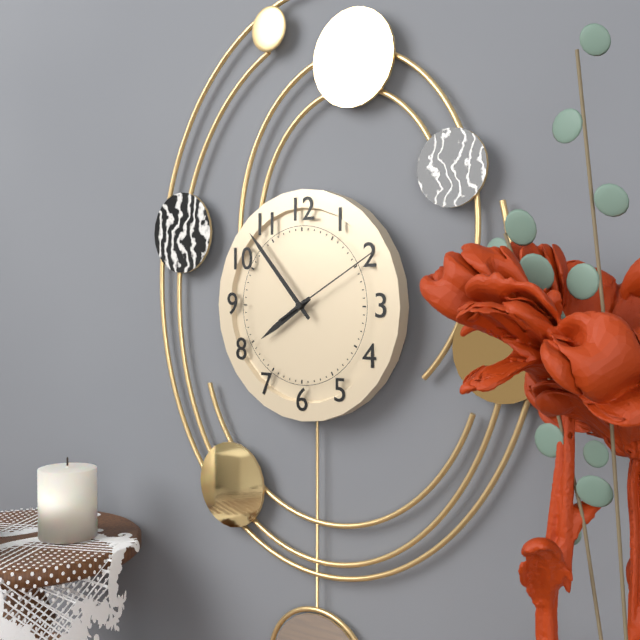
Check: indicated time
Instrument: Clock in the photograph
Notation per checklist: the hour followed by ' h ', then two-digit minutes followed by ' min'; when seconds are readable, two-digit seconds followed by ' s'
7 h 53 min 10 s
